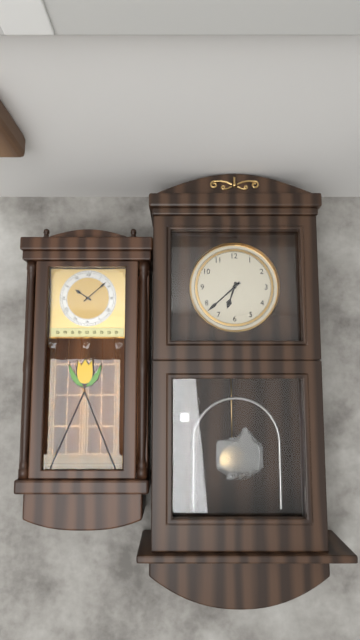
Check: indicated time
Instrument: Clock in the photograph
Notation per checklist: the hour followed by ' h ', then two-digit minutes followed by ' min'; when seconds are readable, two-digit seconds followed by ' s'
6 h 38 min
